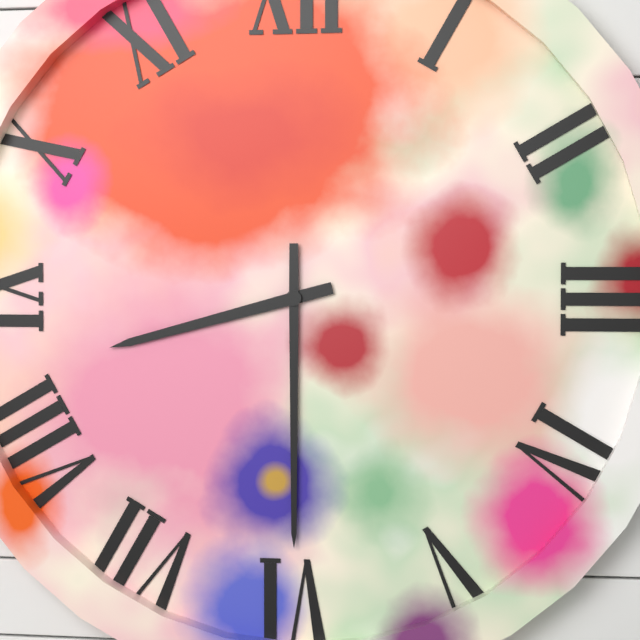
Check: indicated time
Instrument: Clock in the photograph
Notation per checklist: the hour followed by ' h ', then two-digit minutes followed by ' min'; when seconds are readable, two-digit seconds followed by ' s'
8 h 30 min
